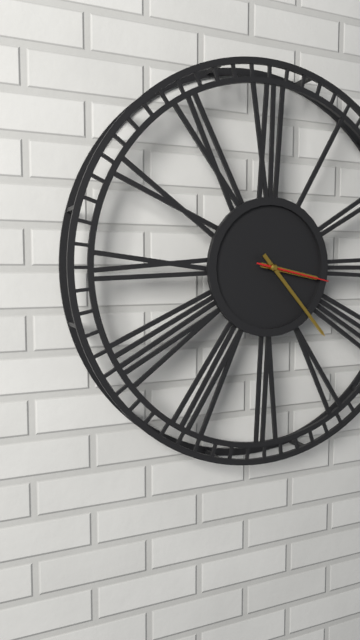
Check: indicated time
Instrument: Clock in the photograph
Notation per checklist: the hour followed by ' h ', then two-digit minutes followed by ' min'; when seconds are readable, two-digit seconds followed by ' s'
3 h 23 min 17 s
